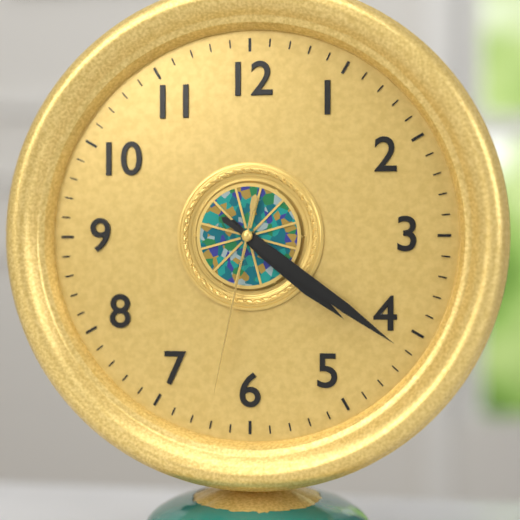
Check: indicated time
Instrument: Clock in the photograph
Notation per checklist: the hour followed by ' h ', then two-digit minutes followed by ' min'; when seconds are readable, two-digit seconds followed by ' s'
4 h 21 min 32 s
